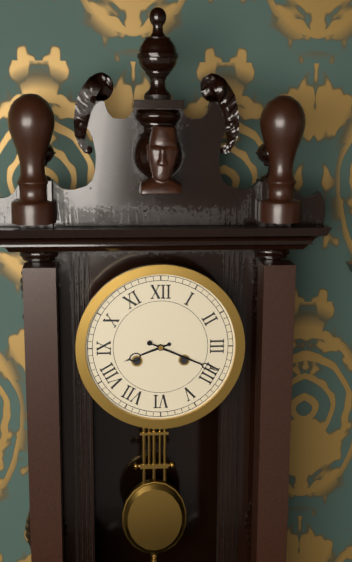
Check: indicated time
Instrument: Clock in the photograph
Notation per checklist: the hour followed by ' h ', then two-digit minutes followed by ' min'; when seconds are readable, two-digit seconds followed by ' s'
8 h 19 min
